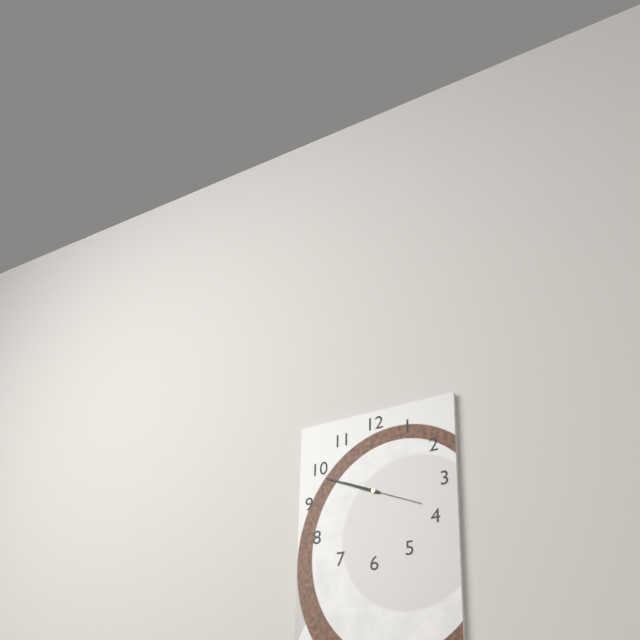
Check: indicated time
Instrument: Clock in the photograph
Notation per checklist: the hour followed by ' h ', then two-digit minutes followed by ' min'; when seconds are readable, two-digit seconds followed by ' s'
9 h 49 min 19 s
